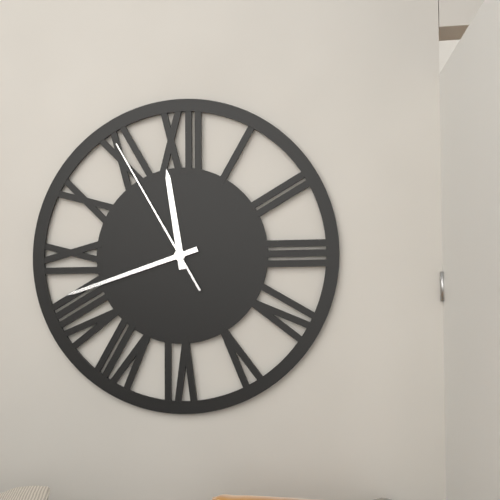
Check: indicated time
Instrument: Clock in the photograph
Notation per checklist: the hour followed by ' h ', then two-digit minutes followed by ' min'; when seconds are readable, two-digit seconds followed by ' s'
11 h 42 min 55 s
